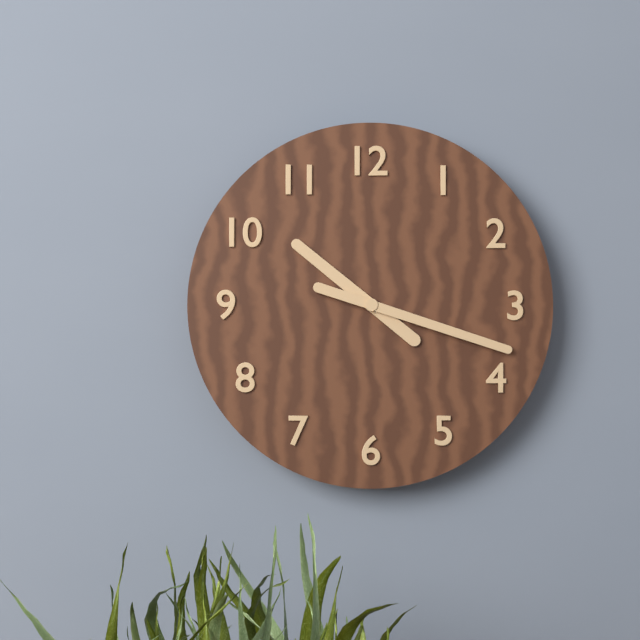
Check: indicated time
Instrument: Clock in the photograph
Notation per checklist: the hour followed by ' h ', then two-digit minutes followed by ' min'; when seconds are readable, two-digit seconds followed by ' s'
10 h 18 min
